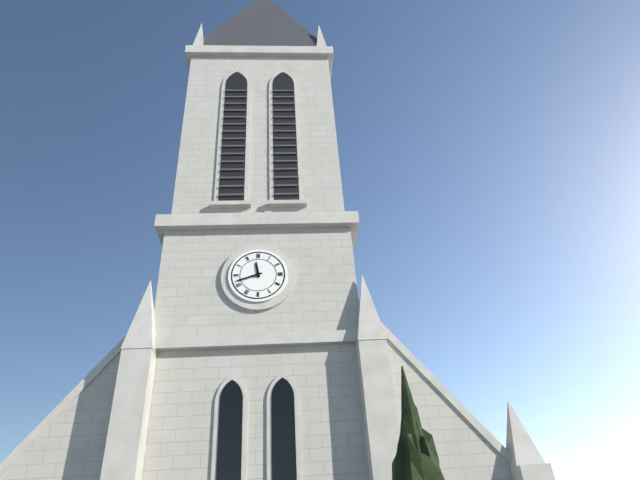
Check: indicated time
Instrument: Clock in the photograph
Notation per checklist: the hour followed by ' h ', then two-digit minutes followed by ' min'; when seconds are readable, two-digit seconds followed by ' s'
11 h 42 min
